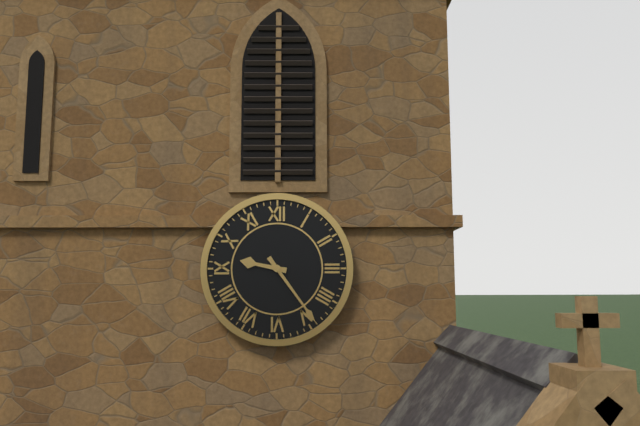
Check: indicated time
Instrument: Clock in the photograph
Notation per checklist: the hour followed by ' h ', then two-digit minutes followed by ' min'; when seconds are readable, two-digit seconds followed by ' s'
9 h 24 min
